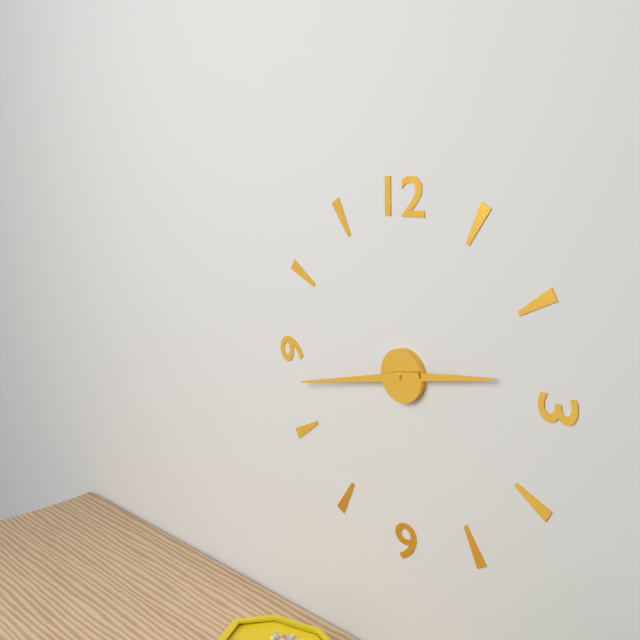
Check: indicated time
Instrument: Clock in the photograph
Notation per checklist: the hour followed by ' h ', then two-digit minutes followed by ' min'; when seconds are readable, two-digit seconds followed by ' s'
2 h 43 min
